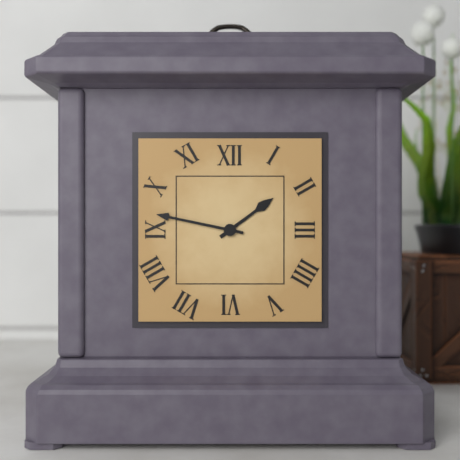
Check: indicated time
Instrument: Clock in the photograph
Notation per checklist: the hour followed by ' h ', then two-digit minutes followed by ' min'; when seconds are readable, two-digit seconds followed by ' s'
1 h 47 min
